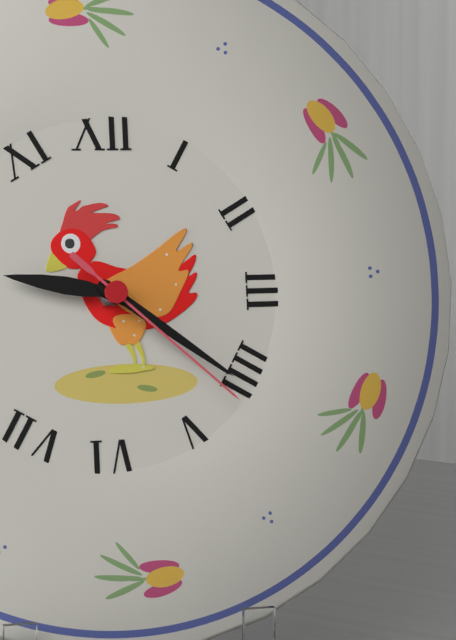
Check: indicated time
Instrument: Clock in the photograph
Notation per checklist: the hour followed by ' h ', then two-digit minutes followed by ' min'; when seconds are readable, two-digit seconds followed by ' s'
9 h 21 min 22 s
